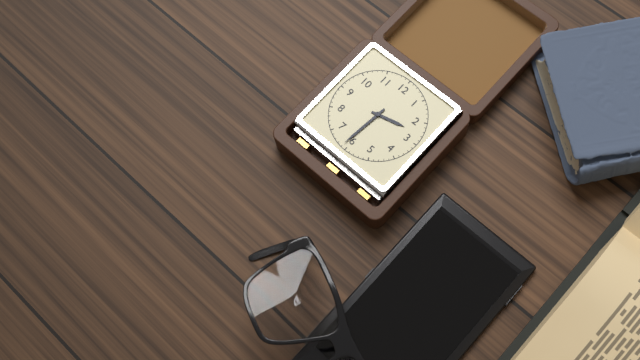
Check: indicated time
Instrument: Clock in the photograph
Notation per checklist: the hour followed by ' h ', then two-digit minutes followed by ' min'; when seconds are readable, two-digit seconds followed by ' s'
2 h 31 min
